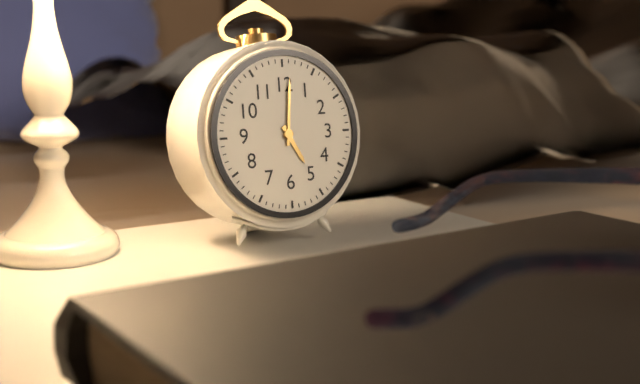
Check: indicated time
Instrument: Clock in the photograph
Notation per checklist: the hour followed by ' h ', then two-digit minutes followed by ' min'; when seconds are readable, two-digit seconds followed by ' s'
5 h 01 min
